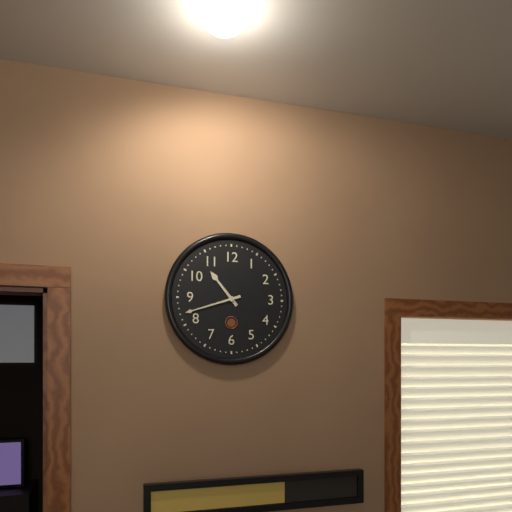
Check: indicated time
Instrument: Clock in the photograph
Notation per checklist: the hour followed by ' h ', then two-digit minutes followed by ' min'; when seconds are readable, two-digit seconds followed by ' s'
10 h 42 min
